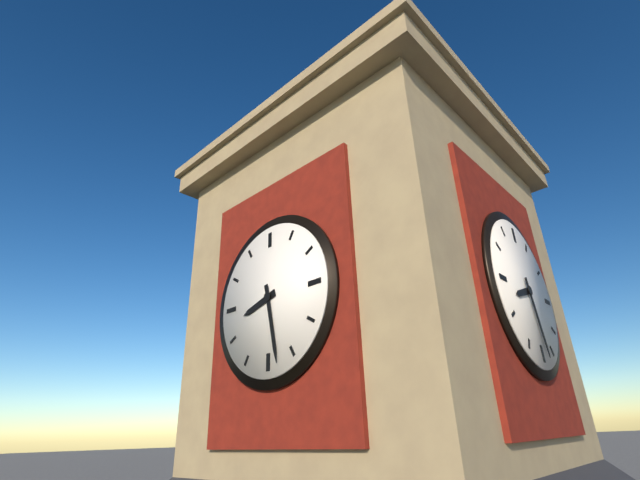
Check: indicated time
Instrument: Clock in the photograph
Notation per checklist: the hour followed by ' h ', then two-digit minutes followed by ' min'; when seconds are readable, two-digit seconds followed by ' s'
8 h 28 min
